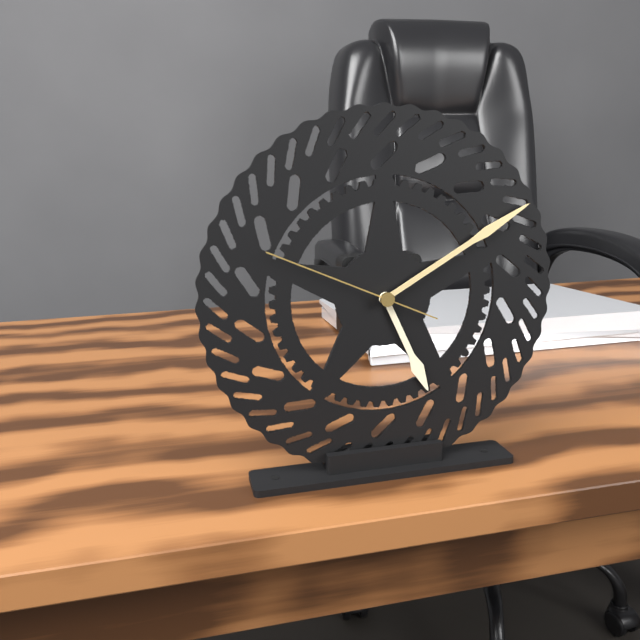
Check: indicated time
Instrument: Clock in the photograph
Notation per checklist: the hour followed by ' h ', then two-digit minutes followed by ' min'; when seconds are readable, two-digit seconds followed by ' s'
5 h 10 min 49 s
